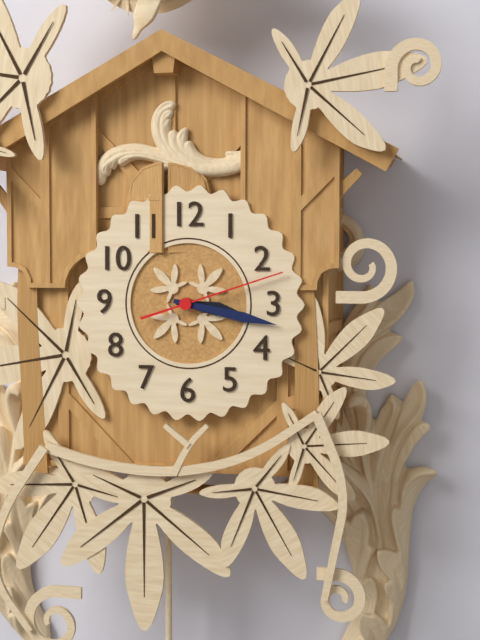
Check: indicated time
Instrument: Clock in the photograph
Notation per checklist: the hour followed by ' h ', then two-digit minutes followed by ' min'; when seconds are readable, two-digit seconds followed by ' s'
3 h 17 min 12 s
